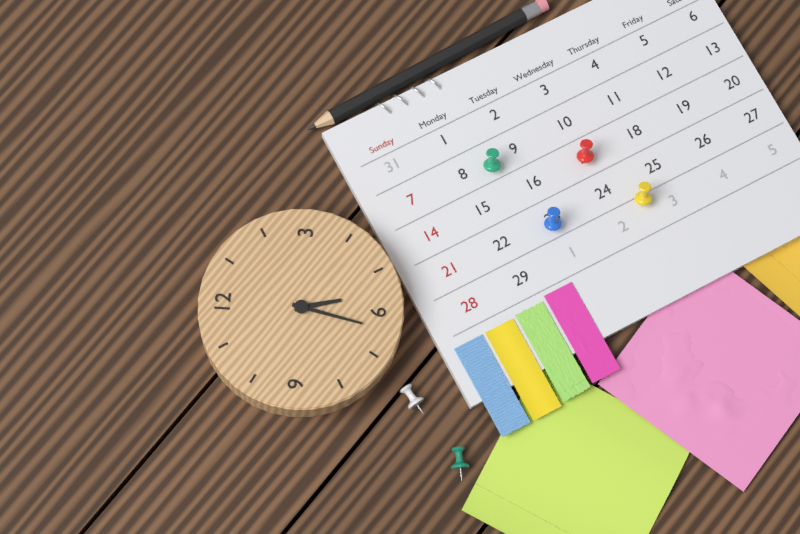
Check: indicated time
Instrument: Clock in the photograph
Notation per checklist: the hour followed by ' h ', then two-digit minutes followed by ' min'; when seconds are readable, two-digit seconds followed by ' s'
5 h 32 min
